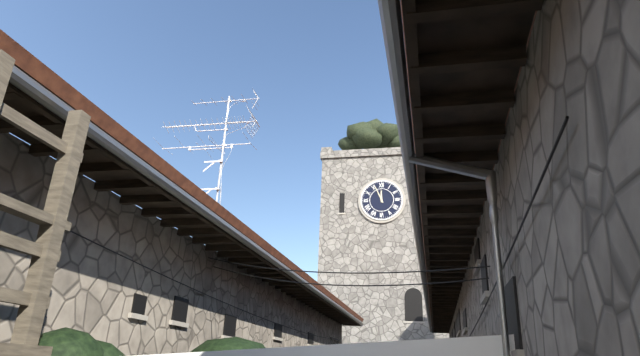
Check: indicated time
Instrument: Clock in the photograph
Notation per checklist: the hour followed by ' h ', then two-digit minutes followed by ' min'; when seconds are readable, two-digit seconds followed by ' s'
11 h 56 min
